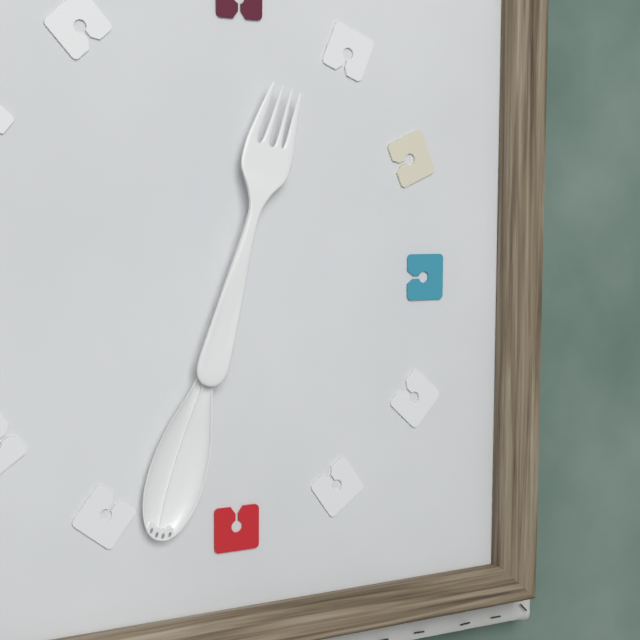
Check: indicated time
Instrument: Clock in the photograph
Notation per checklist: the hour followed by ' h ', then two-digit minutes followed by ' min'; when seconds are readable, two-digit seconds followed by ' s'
12 h 33 min
